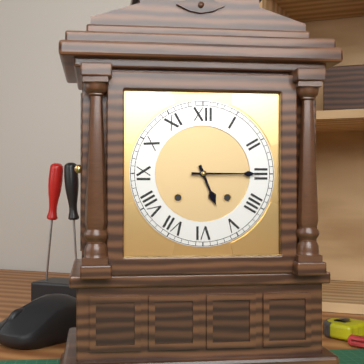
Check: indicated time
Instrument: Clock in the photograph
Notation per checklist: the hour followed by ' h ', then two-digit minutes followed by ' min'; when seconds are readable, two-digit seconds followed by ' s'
5 h 15 min
